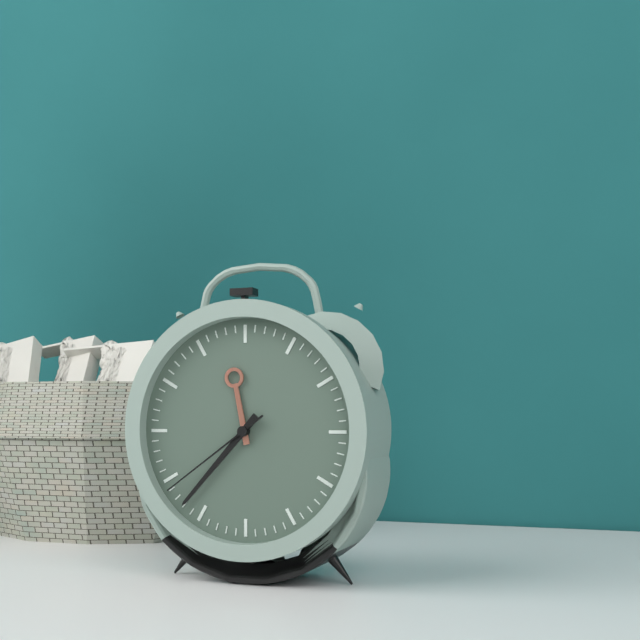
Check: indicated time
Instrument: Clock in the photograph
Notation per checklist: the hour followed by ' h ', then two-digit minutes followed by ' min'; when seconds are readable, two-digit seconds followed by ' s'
11 h 37 min 39 s
